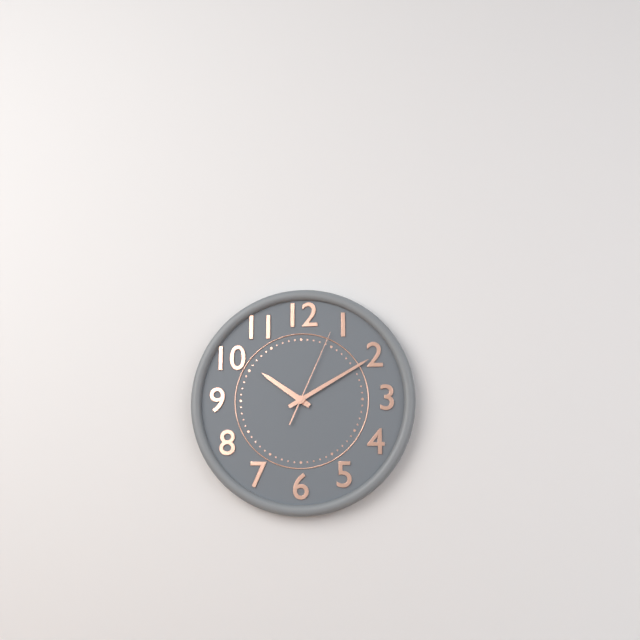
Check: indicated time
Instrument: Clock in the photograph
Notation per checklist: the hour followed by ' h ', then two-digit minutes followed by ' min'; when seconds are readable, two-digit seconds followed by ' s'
10 h 10 min 04 s
